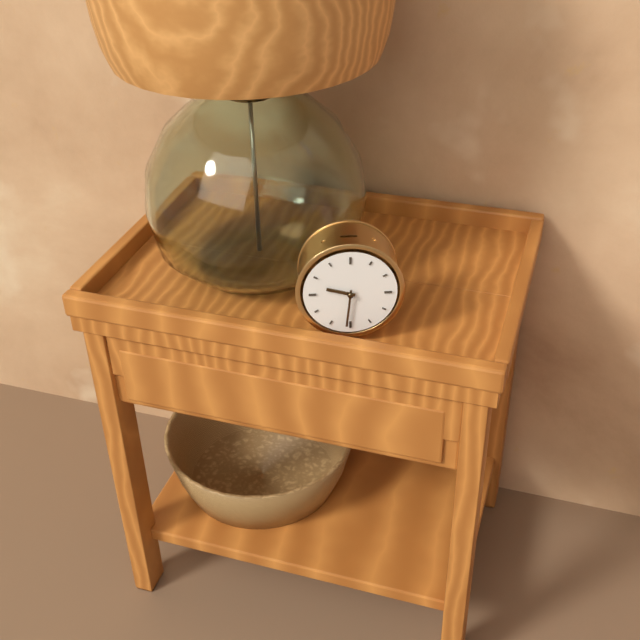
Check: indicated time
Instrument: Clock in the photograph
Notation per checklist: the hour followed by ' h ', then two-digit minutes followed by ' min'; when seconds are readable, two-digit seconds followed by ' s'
9 h 31 min
